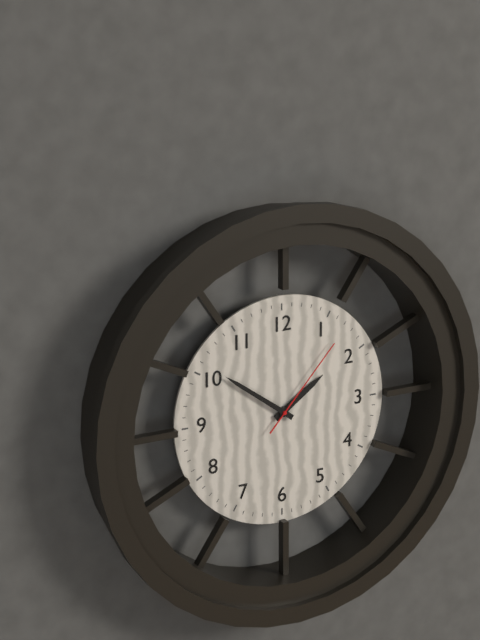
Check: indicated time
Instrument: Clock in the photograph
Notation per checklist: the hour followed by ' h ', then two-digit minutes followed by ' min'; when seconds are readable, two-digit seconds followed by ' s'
1 h 51 min 07 s
